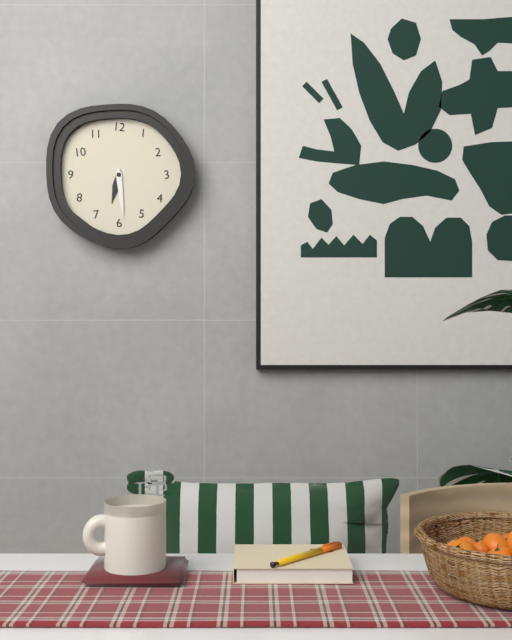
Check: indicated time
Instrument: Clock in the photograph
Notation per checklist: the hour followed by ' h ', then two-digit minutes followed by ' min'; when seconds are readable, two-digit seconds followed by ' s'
6 h 29 min
